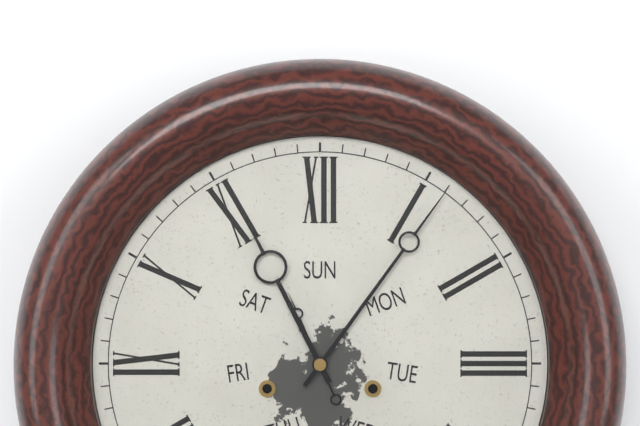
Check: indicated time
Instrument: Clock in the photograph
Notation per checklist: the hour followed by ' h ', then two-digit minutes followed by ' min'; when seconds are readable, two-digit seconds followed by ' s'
11 h 06 min
